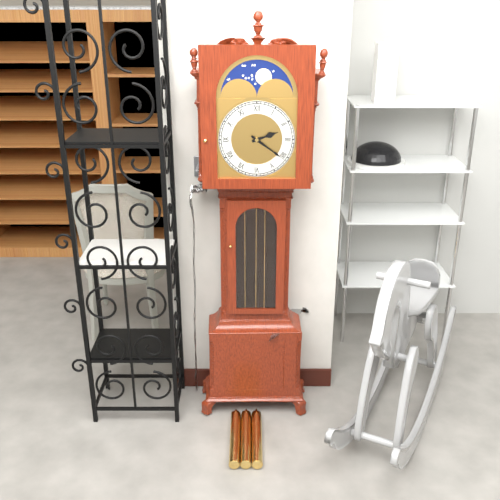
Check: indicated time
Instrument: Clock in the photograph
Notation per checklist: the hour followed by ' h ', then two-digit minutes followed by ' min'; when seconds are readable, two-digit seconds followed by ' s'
2 h 21 min
